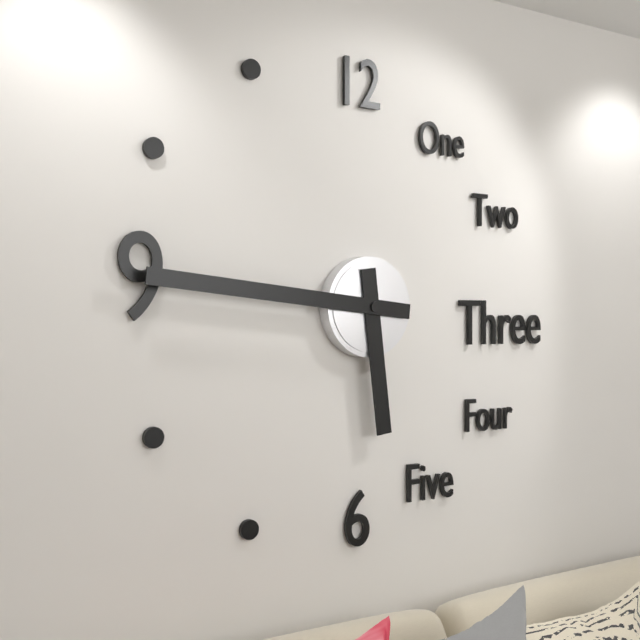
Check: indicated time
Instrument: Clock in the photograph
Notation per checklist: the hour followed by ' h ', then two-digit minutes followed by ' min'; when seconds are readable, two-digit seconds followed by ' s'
5 h 46 min
